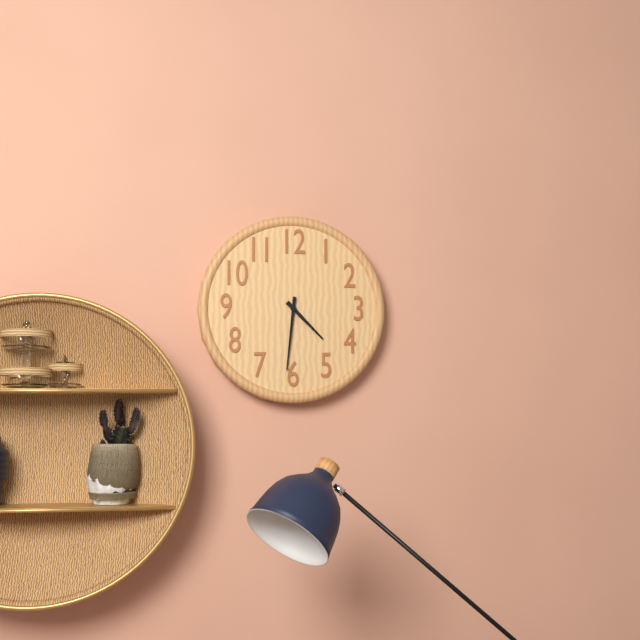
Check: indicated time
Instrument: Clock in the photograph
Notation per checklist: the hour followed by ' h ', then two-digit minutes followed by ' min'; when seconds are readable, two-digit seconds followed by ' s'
4 h 31 min
